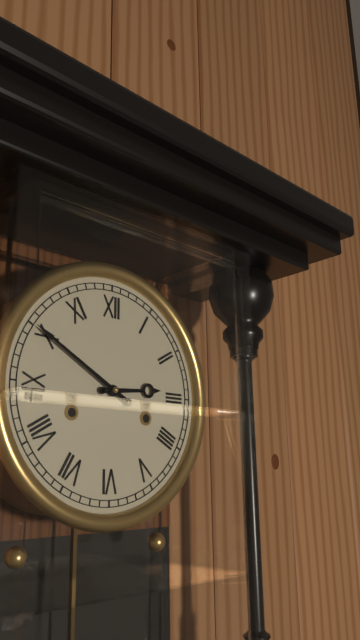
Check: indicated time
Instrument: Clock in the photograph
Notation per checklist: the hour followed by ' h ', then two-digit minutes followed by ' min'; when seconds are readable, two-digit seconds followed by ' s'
2 h 50 min
